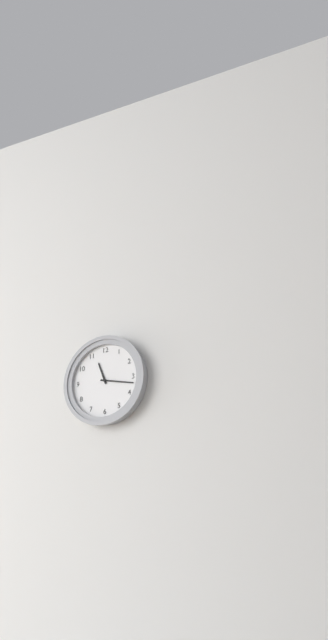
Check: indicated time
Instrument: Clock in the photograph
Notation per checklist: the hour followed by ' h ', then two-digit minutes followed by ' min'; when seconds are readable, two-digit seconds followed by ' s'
11 h 17 min
